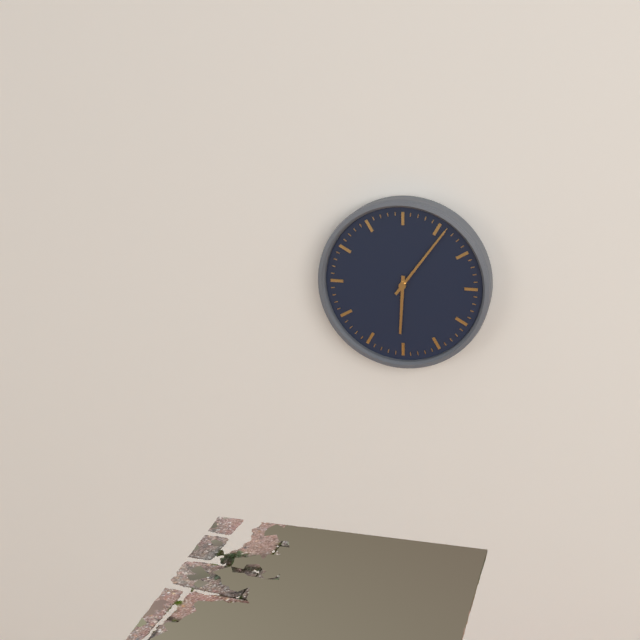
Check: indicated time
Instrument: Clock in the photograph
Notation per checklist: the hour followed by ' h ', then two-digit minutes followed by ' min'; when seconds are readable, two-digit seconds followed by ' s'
6 h 06 min
